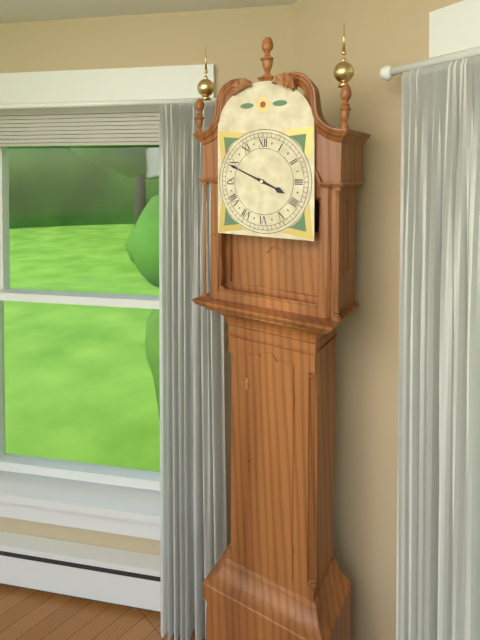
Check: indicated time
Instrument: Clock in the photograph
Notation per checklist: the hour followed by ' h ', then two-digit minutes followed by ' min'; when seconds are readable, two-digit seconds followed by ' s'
3 h 49 min
